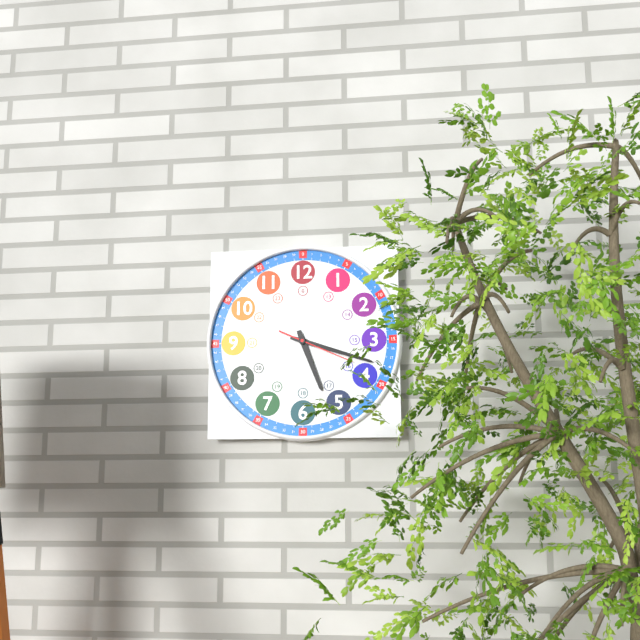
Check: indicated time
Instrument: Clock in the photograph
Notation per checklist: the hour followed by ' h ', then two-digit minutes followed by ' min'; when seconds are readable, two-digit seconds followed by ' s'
5 h 18 min 19 s
